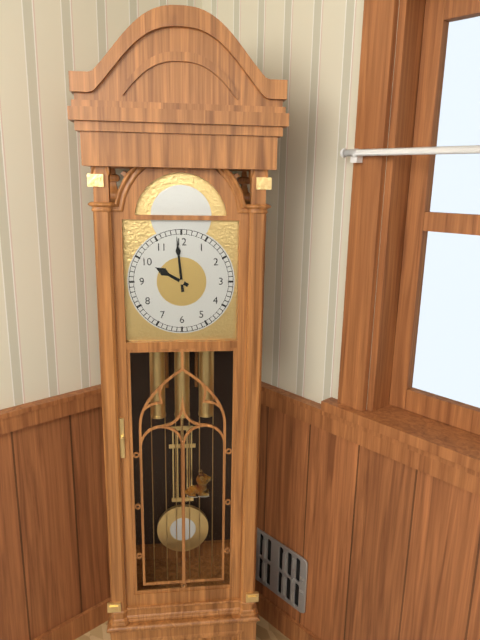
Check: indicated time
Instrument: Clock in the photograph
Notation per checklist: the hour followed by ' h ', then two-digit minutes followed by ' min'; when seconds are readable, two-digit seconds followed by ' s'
9 h 59 min
